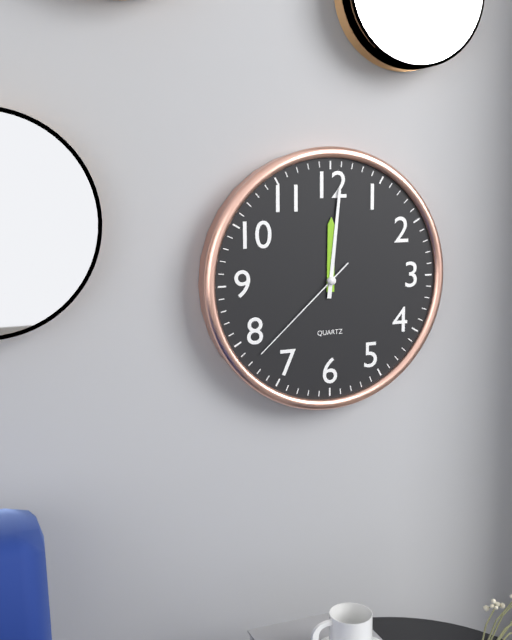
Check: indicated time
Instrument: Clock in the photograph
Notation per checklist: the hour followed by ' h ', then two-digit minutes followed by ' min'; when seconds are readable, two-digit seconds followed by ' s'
12 h 01 min 38 s
